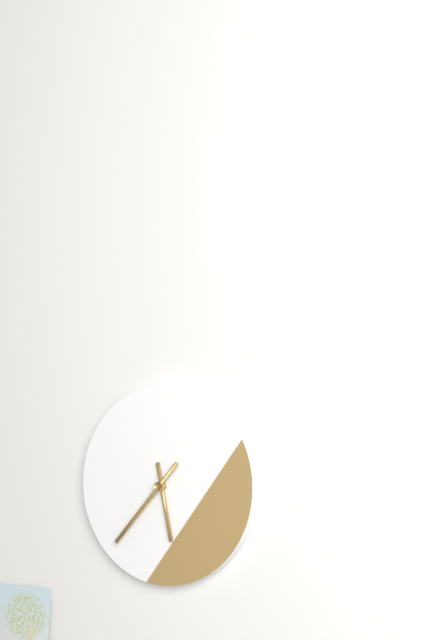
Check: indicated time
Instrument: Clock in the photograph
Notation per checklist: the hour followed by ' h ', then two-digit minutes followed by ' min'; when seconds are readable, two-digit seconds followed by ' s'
5 h 37 min
